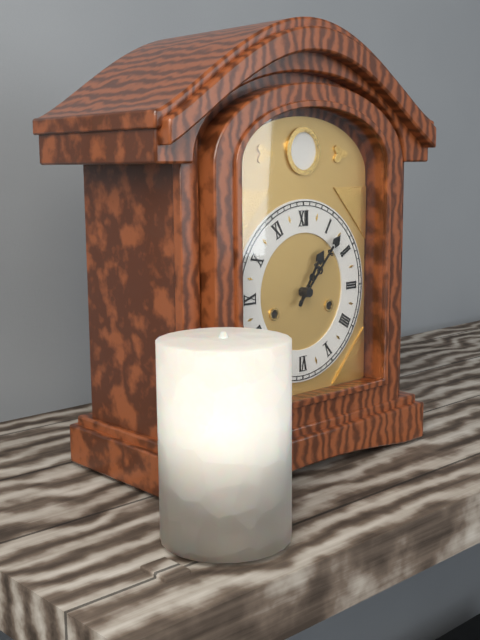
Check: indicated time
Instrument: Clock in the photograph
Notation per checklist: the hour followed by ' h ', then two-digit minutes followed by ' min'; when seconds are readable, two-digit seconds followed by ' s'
1 h 07 min
